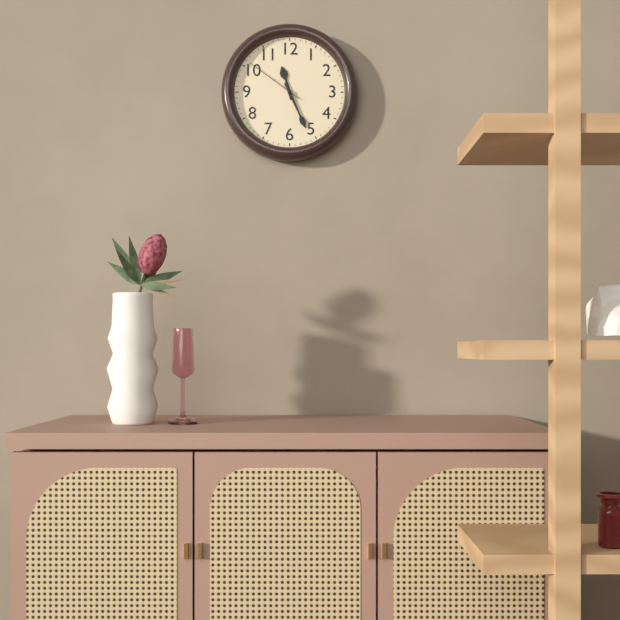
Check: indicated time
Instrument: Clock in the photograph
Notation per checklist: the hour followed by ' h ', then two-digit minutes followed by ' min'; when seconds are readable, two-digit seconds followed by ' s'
11 h 26 min 51 s
